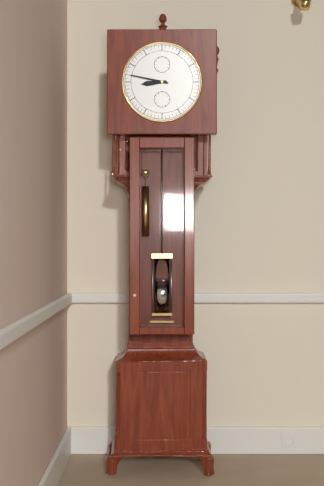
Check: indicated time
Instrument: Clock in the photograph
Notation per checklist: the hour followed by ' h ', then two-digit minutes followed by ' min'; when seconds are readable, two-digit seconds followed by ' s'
8 h 47 min
